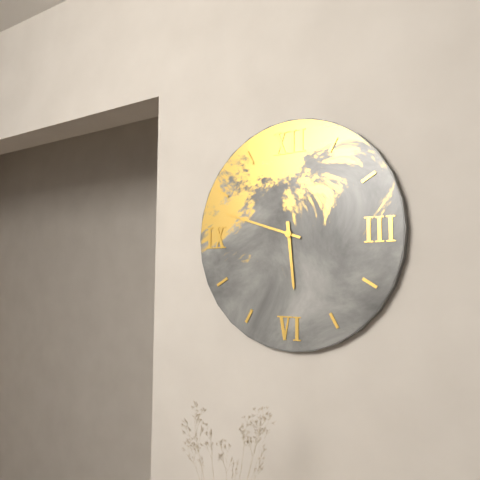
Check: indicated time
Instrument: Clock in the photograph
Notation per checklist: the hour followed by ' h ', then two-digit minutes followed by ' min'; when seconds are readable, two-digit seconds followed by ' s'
5 h 48 min
